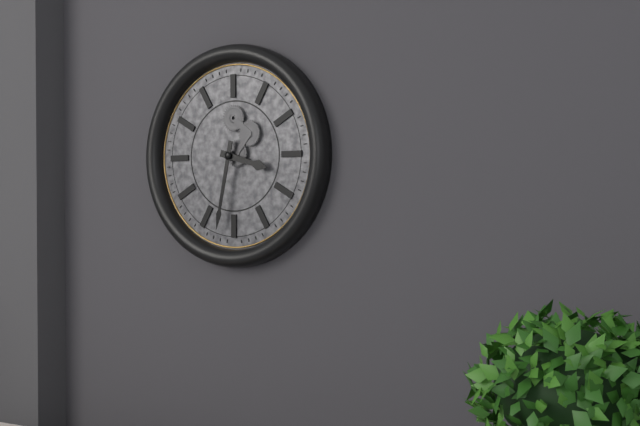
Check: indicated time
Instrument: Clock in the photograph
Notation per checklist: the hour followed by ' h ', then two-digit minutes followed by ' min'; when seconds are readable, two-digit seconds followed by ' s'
3 h 32 min
